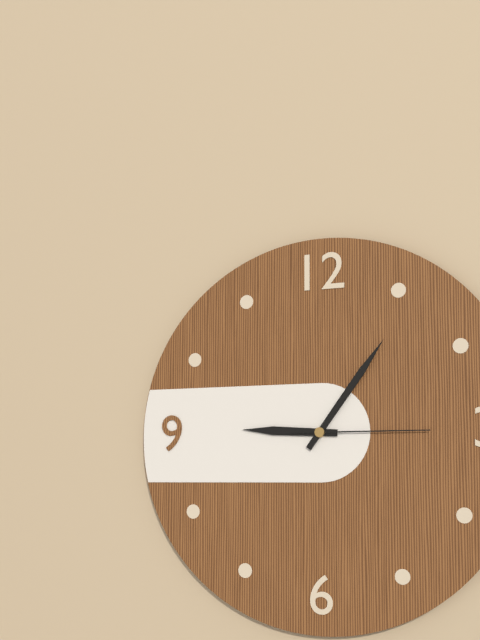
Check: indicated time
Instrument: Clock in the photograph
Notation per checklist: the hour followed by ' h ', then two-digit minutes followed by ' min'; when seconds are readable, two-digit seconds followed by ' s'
9 h 06 min 15 s
